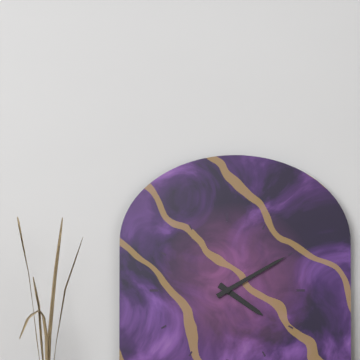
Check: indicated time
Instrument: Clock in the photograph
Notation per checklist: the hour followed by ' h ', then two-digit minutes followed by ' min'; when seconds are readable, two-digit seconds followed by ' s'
4 h 10 min
